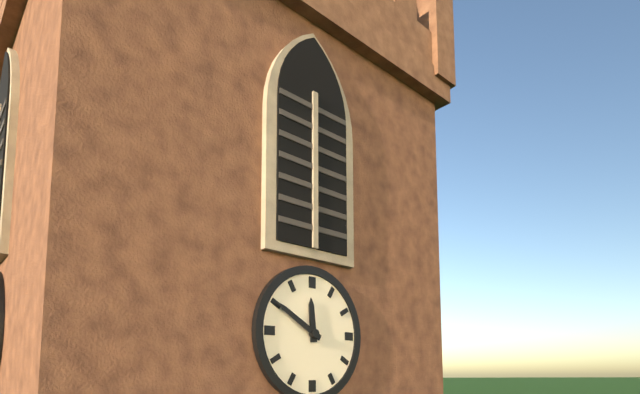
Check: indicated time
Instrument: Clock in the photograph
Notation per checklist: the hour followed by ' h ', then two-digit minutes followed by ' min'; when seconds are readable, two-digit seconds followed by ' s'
11 h 50 min
